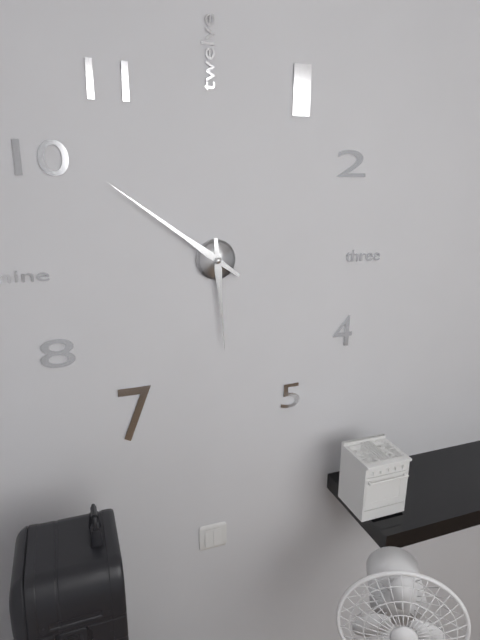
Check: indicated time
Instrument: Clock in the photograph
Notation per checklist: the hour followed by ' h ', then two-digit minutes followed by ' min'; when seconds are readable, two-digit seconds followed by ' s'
5 h 51 min
